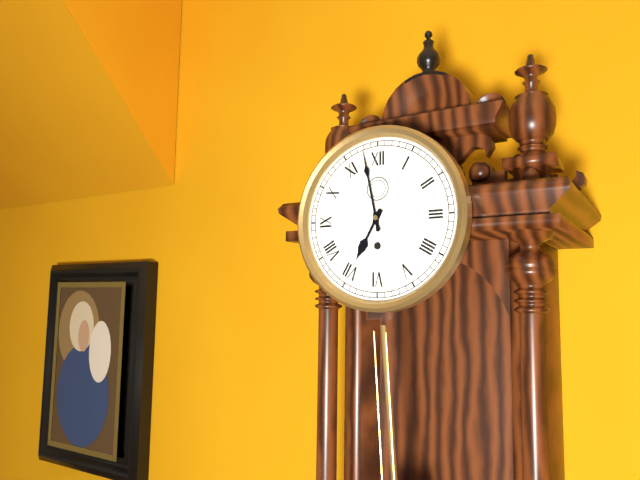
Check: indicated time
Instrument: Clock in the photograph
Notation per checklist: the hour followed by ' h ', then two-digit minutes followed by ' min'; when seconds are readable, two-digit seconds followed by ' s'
6 h 58 min
